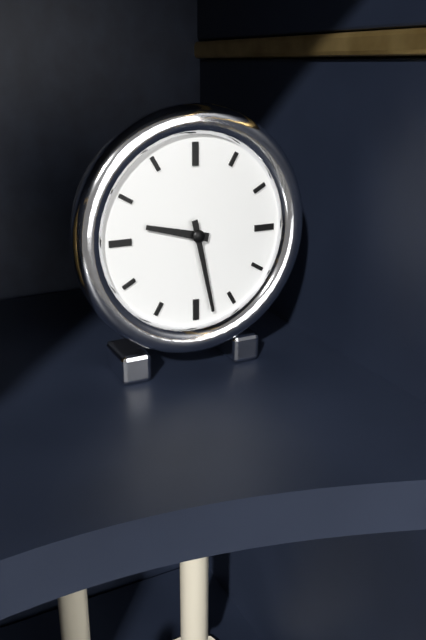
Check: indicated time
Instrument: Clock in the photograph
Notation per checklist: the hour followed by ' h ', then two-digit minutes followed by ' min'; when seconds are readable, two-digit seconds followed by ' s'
9 h 28 min
